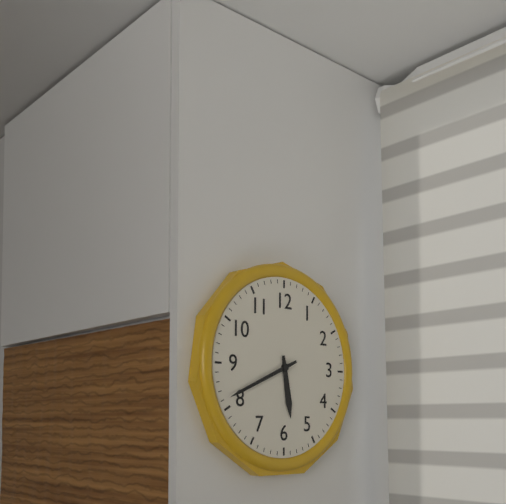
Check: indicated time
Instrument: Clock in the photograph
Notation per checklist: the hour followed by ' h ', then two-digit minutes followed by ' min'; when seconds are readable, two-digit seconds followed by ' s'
5 h 41 min
